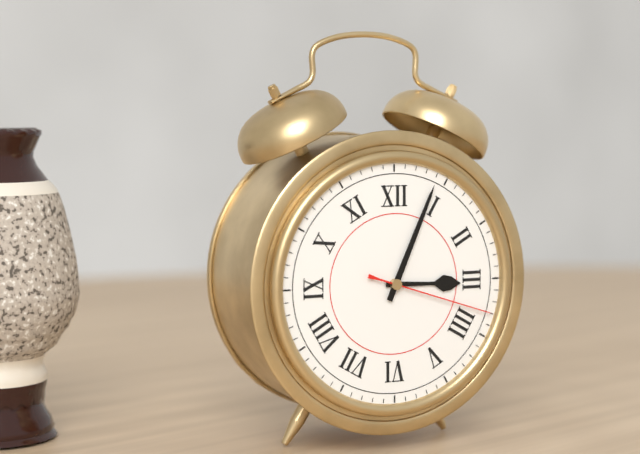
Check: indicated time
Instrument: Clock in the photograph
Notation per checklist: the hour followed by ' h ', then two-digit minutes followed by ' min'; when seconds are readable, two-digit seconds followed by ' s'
3 h 04 min 18 s
